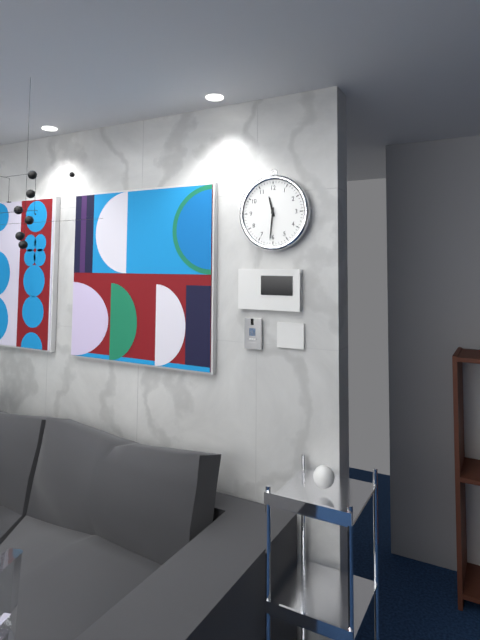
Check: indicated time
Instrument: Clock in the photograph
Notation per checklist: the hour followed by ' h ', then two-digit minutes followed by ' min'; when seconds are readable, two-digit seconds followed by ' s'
11 h 31 min
